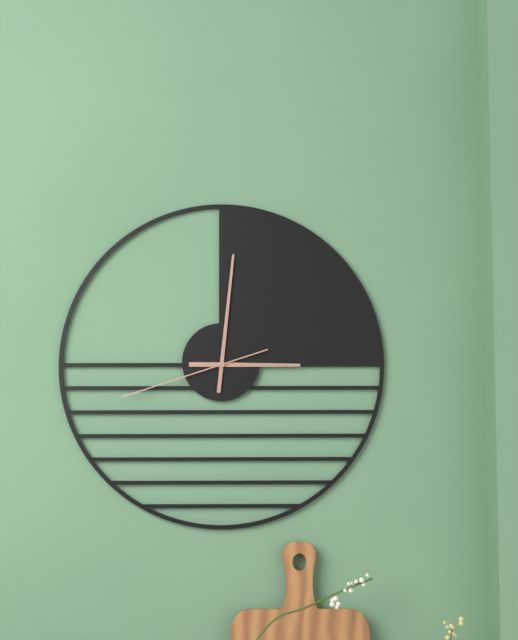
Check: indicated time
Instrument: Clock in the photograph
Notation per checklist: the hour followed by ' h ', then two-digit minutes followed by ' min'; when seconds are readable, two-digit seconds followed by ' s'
3 h 01 min 42 s
